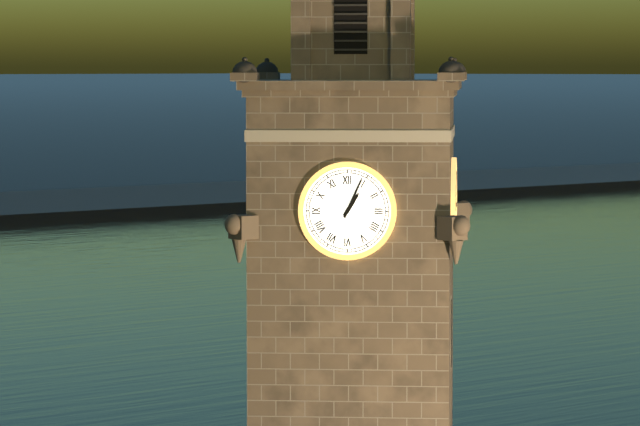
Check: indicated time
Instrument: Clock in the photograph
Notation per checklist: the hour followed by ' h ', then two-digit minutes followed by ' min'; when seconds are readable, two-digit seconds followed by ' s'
1 h 04 min
